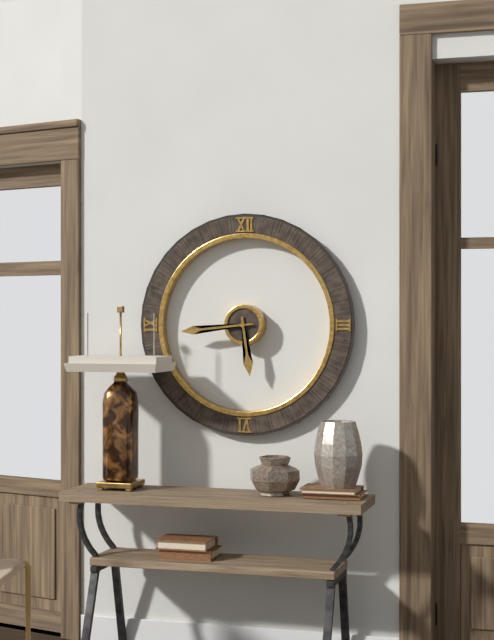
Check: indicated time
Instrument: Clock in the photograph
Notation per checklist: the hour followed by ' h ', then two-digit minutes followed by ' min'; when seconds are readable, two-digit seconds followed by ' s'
5 h 44 min
